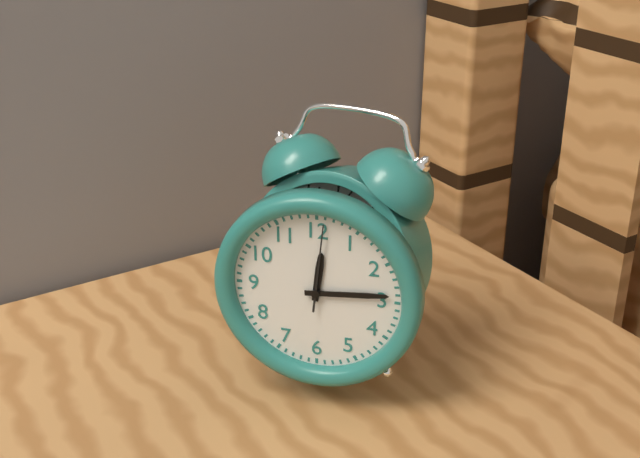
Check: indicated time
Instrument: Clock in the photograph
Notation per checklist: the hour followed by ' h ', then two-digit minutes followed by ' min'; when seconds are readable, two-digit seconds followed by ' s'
12 h 14 min 01 s
